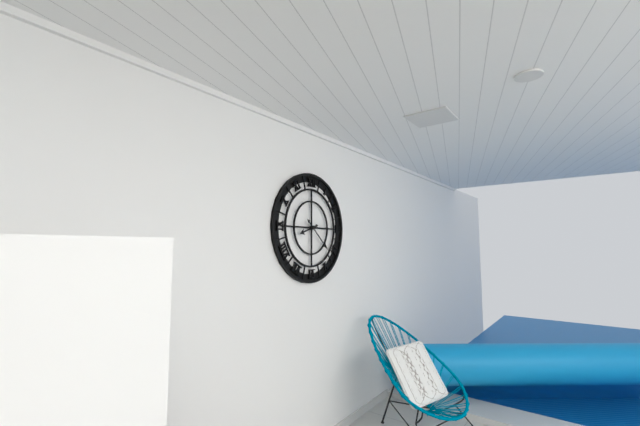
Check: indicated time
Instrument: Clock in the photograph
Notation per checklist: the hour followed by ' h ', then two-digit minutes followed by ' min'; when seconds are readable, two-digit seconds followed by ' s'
8 h 22 min
